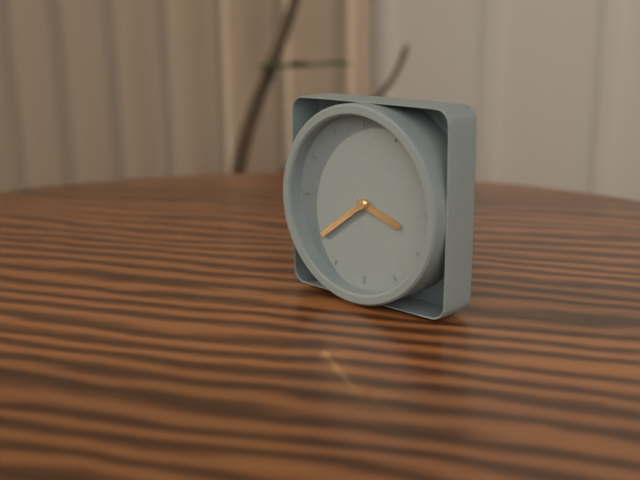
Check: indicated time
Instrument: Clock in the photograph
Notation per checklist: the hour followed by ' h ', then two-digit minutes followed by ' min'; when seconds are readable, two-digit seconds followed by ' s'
3 h 39 min
